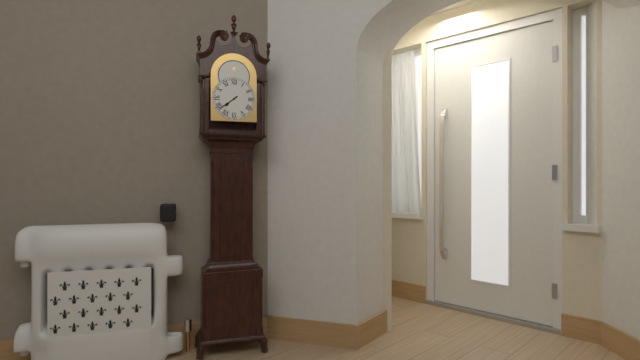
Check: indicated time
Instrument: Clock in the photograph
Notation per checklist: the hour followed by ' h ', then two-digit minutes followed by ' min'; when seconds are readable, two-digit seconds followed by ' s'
7 h 39 min
